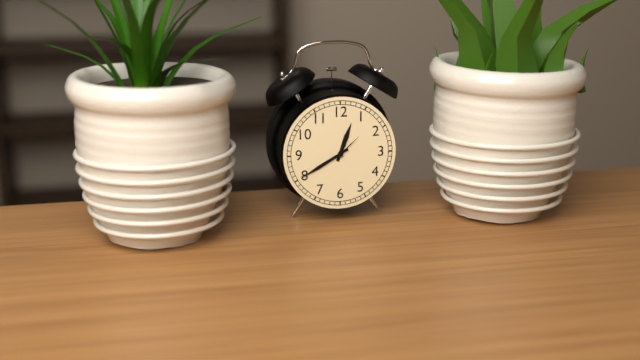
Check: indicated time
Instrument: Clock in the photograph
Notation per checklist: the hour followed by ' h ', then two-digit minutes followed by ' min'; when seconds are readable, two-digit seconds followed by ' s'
12 h 40 min
